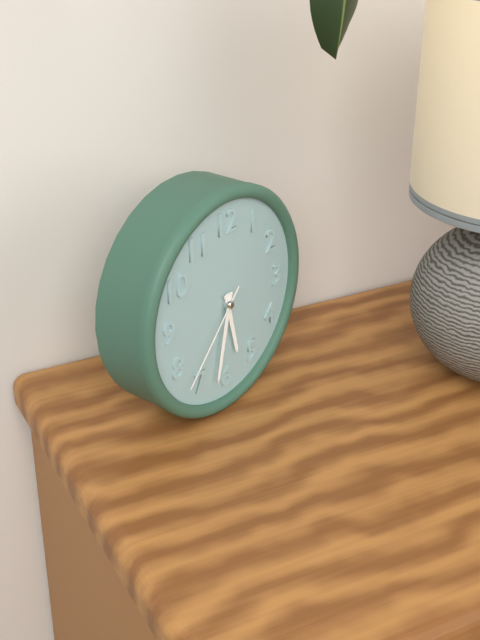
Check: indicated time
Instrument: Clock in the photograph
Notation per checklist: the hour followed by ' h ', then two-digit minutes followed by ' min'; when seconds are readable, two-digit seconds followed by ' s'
5 h 32 min 37 s
